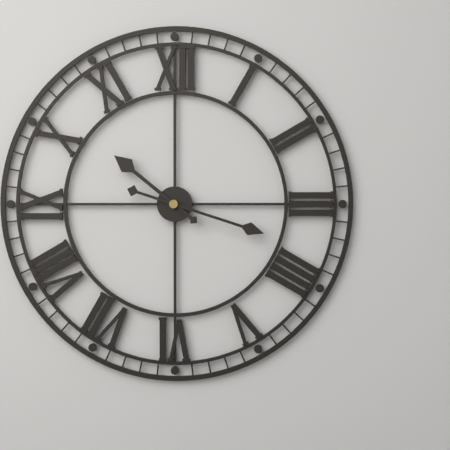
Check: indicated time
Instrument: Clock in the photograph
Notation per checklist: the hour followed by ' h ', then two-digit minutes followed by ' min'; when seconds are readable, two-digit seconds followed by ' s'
10 h 18 min
